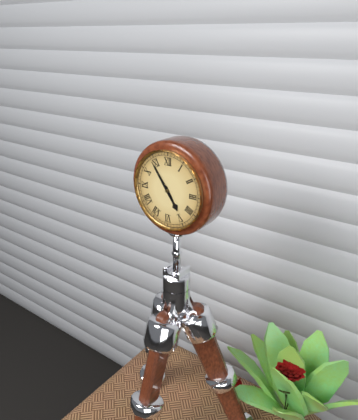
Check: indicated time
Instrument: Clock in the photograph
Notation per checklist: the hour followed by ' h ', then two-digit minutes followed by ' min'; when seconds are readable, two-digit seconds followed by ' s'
4 h 54 min
